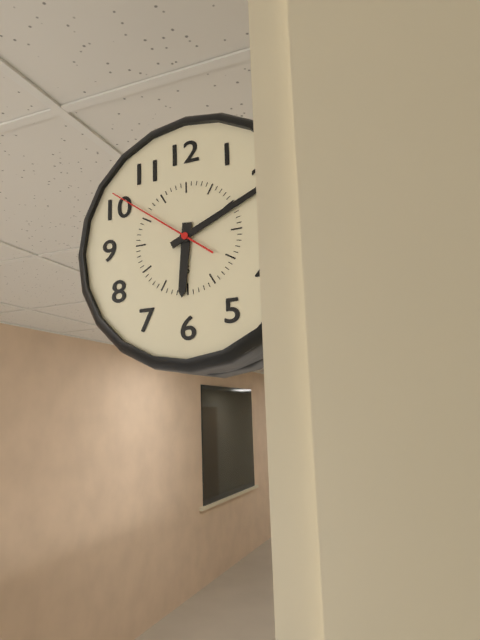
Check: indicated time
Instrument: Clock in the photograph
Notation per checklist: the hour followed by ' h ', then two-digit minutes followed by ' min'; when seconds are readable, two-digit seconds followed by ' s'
6 h 11 min 51 s
